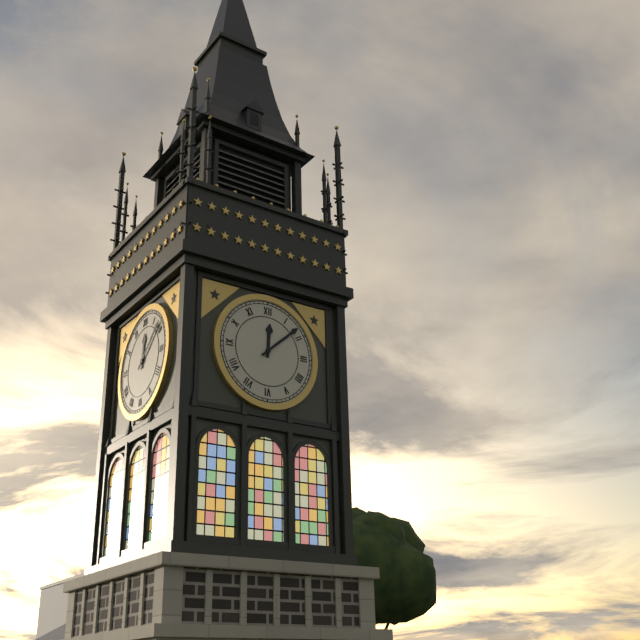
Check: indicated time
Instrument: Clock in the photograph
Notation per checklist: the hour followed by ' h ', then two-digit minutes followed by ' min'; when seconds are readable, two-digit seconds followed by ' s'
12 h 08 min
